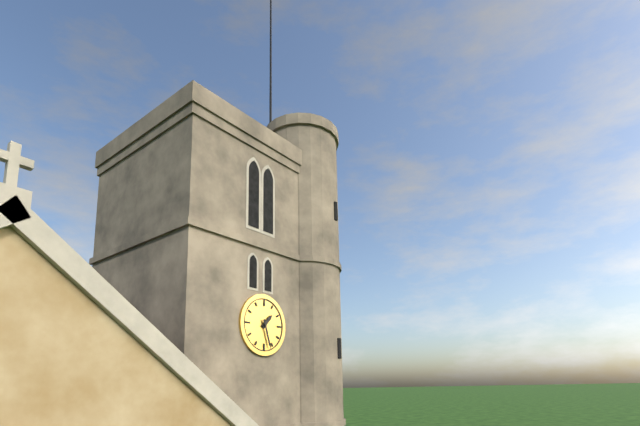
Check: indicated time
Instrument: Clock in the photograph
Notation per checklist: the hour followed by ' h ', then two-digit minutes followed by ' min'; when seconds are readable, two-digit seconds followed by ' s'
1 h 27 min
